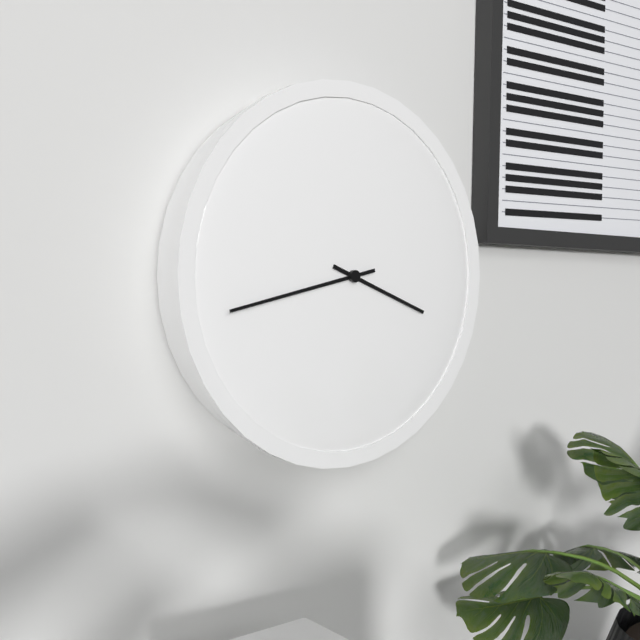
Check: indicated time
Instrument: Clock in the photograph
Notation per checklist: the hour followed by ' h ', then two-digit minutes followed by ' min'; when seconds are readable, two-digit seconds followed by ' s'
3 h 43 min
